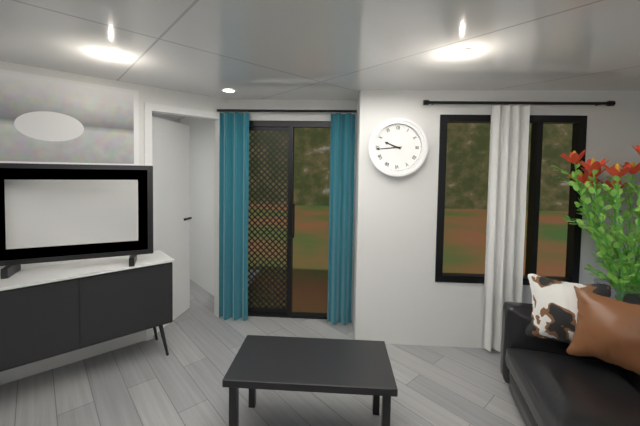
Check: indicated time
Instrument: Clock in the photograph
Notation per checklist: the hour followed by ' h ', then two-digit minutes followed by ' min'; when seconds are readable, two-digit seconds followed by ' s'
9 h 44 min
